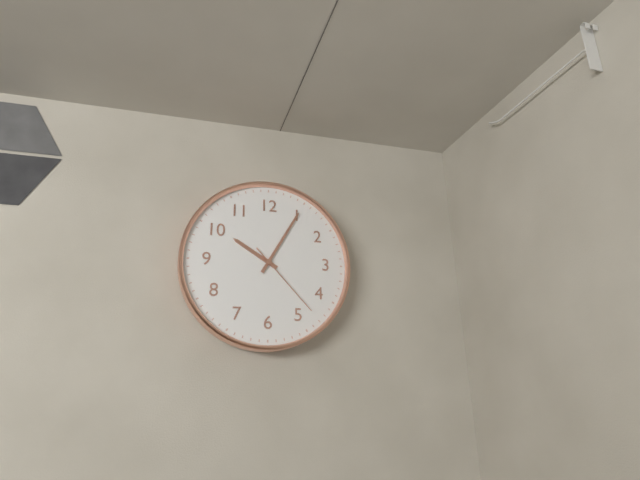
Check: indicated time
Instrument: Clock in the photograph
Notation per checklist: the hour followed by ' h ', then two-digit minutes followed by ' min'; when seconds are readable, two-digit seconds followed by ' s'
10 h 05 min 23 s
